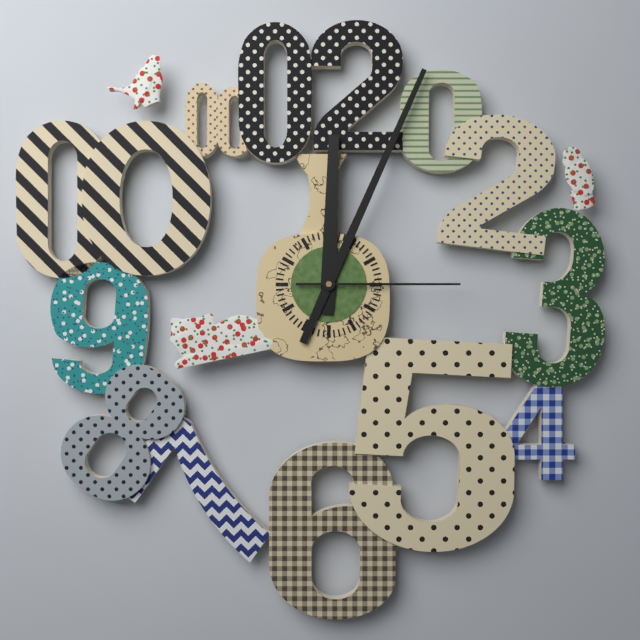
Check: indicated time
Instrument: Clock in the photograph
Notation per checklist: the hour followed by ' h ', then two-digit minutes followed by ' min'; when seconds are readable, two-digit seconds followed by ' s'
12 h 04 min 15 s
